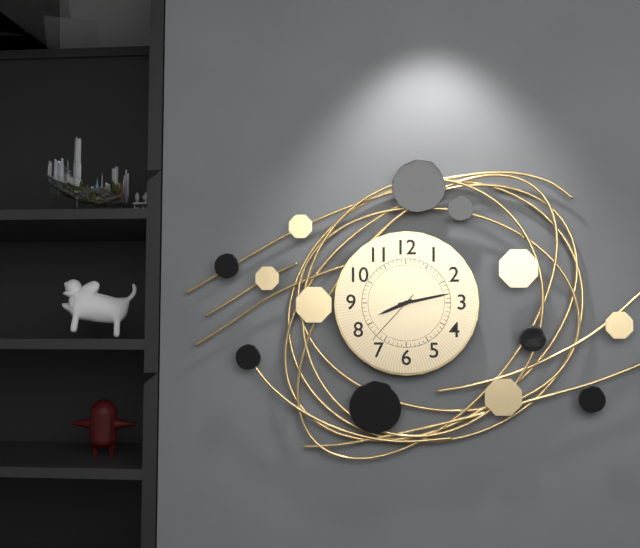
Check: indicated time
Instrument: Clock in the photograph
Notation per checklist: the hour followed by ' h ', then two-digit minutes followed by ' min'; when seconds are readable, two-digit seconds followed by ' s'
8 h 13 min 37 s
